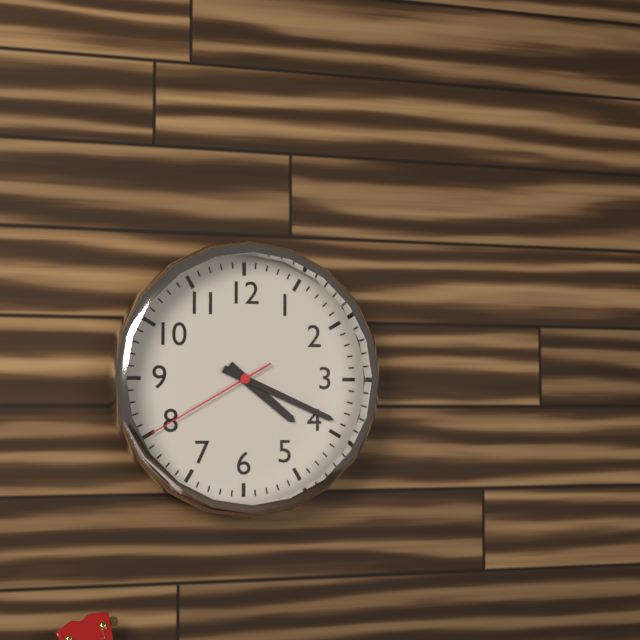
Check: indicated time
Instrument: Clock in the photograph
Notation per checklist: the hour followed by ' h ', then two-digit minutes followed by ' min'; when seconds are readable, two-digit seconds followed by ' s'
4 h 19 min 40 s
